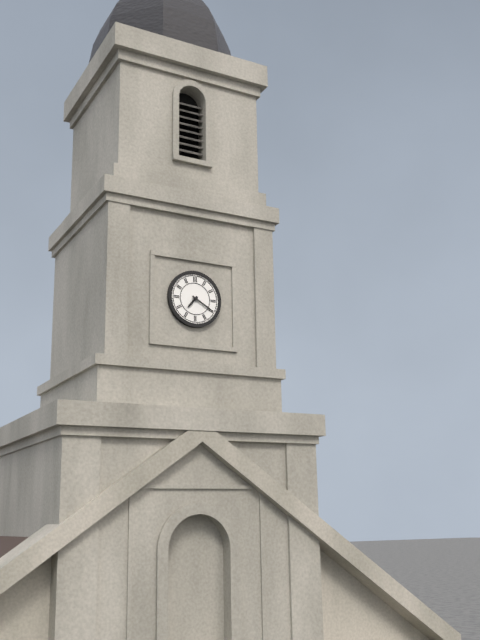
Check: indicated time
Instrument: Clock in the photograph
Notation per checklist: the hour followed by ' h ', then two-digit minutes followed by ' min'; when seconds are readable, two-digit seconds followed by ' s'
7 h 20 min
